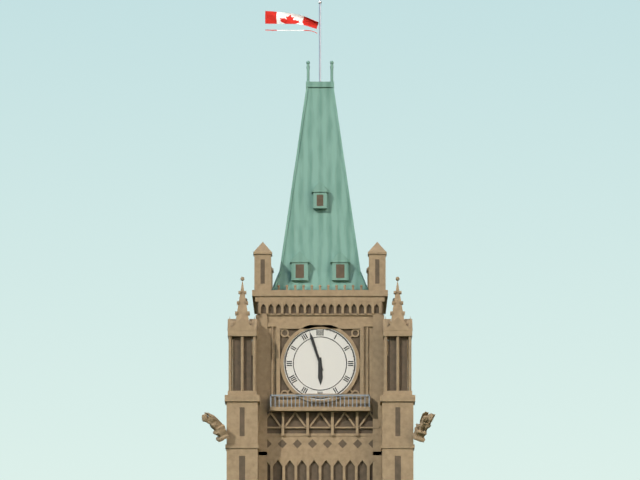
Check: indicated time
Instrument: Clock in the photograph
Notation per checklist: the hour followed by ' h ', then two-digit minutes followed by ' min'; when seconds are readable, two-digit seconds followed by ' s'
5 h 57 min
